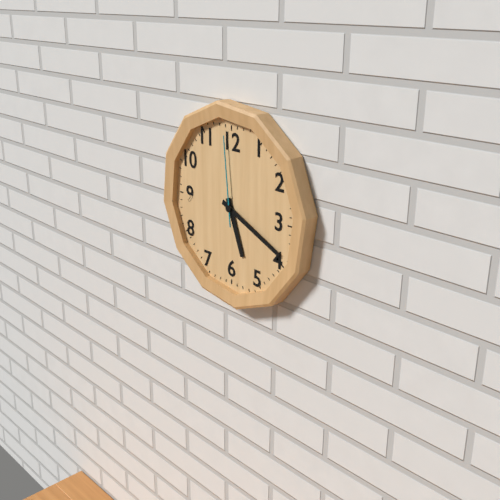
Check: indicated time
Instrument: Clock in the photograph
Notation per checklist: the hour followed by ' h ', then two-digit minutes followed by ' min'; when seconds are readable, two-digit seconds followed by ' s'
5 h 19 min 59 s
